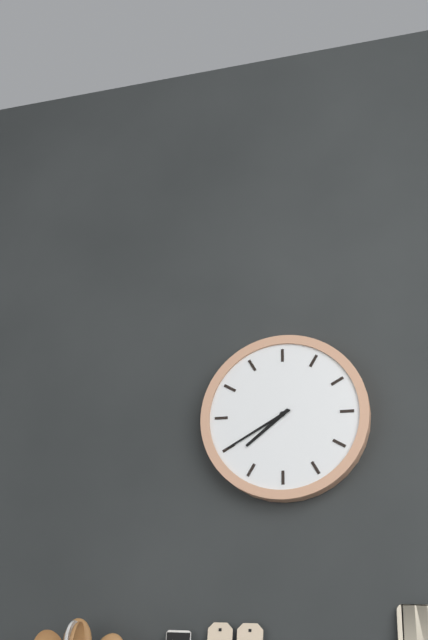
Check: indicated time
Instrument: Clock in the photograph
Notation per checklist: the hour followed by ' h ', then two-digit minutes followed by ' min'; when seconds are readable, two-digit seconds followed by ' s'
7 h 40 min
